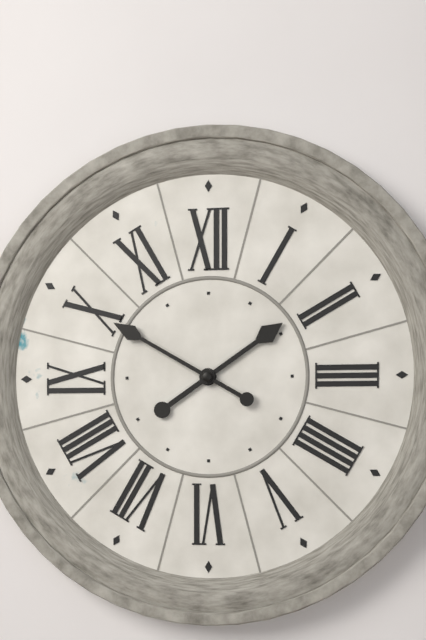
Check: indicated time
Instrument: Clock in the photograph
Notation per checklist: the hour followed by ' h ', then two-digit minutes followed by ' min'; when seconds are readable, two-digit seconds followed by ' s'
1 h 50 min
